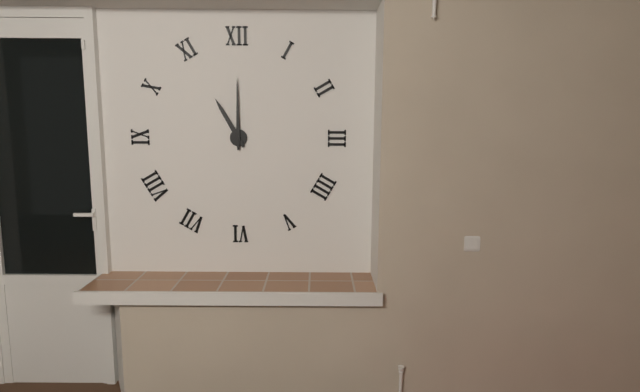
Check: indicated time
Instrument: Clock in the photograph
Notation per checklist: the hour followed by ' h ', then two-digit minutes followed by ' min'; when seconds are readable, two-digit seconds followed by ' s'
11 h 00 min
